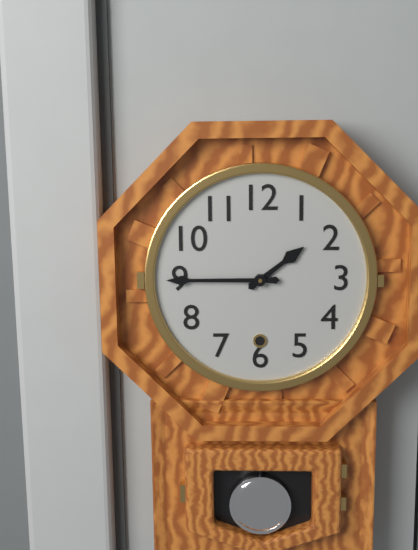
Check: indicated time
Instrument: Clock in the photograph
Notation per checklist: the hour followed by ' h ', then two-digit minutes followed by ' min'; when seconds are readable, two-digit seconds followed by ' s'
1 h 45 min
